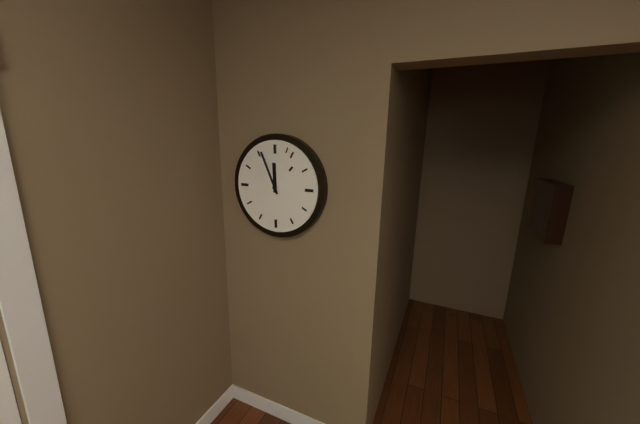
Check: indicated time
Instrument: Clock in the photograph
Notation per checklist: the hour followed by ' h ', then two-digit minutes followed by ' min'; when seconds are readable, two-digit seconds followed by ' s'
11 h 56 min
